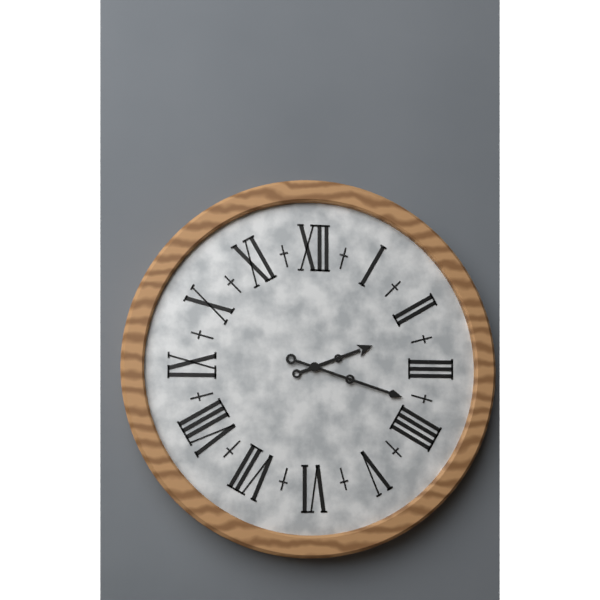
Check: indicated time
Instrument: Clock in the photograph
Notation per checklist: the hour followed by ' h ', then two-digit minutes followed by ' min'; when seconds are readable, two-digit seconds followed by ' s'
2 h 18 min
